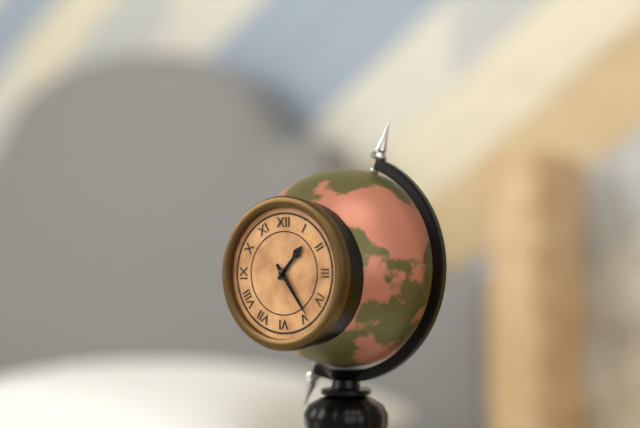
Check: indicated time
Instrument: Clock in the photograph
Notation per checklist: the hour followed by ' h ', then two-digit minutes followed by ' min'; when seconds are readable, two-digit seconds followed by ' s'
1 h 24 min
